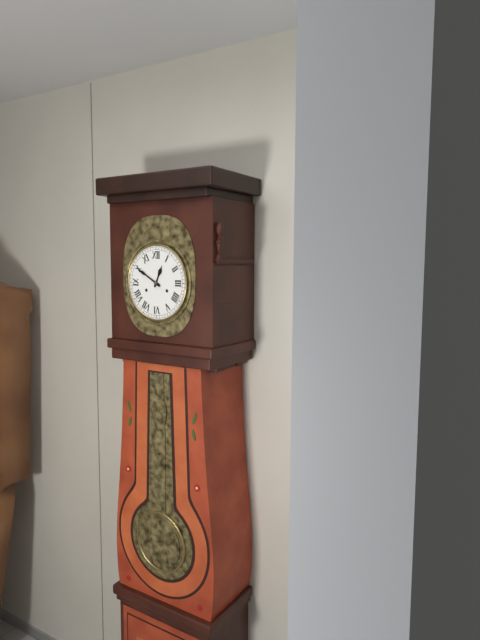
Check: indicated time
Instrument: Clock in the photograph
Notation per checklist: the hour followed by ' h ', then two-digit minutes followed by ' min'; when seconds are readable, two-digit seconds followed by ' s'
12 h 50 min
